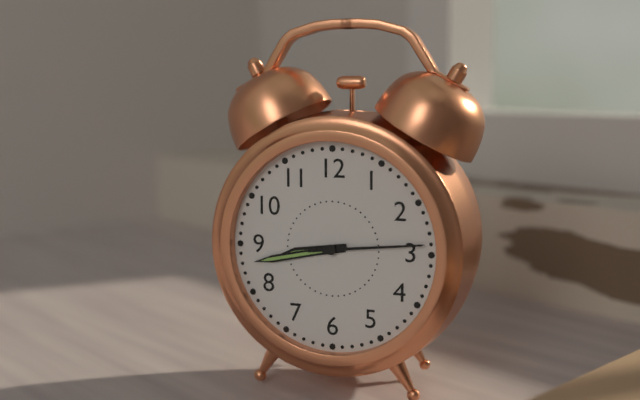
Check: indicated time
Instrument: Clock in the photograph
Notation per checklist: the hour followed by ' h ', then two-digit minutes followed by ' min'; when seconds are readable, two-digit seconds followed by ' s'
8 h 43 min 14 s
